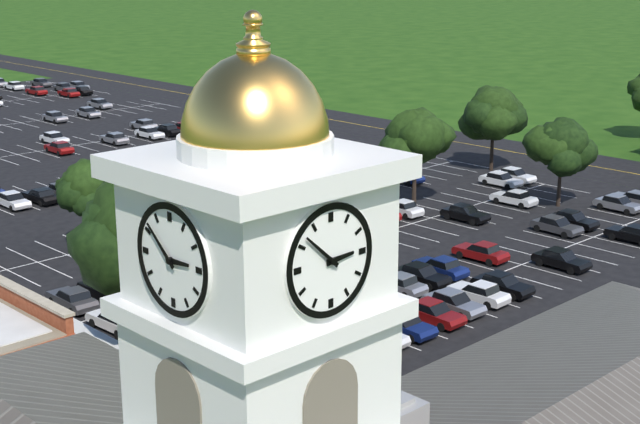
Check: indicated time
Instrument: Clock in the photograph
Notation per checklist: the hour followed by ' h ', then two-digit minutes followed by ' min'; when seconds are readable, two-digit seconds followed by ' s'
2 h 52 min
